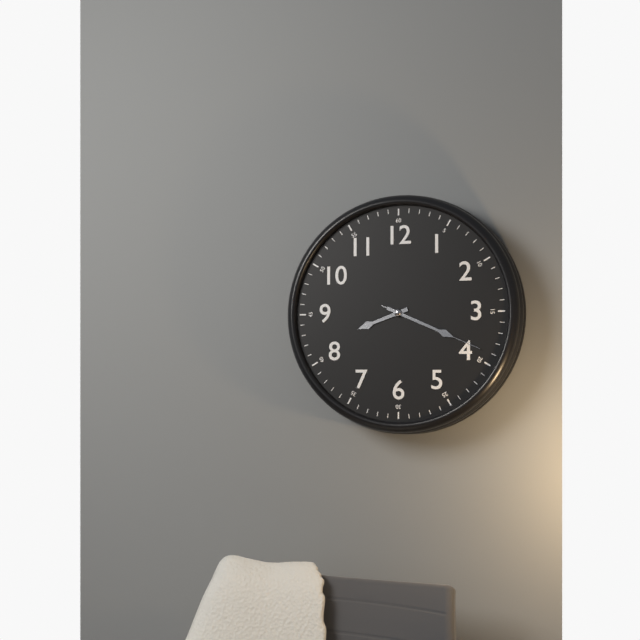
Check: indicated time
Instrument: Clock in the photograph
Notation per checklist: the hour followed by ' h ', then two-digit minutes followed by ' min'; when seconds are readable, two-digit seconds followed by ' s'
8 h 19 min 19 s
